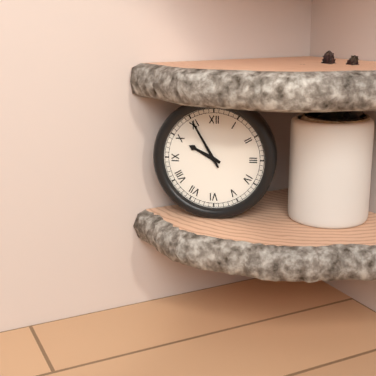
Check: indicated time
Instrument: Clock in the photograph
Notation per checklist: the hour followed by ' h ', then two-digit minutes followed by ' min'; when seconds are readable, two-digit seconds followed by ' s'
9 h 55 min
